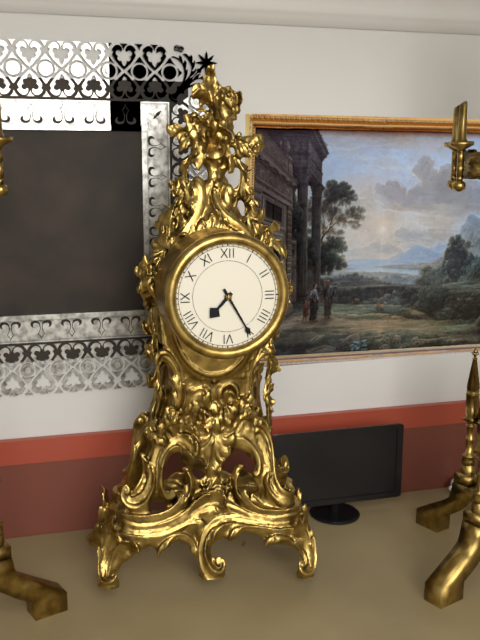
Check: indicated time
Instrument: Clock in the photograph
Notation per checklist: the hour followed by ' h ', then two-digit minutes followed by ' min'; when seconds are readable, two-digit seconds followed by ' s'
7 h 25 min
